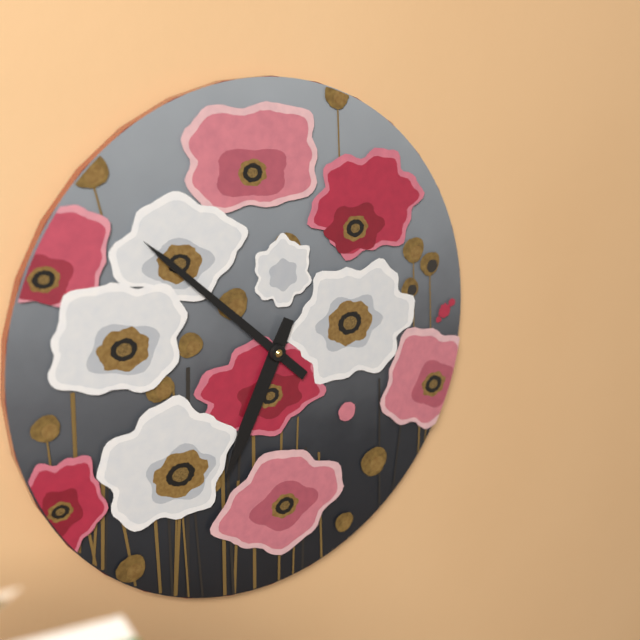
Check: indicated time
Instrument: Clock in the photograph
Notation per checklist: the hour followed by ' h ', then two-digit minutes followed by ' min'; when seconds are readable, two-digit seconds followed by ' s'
6 h 52 min
